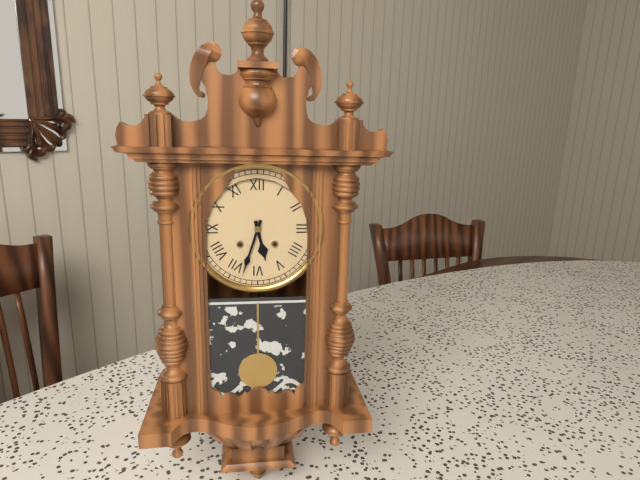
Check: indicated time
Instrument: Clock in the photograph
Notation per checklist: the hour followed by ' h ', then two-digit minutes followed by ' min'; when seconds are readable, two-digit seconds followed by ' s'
5 h 33 min
